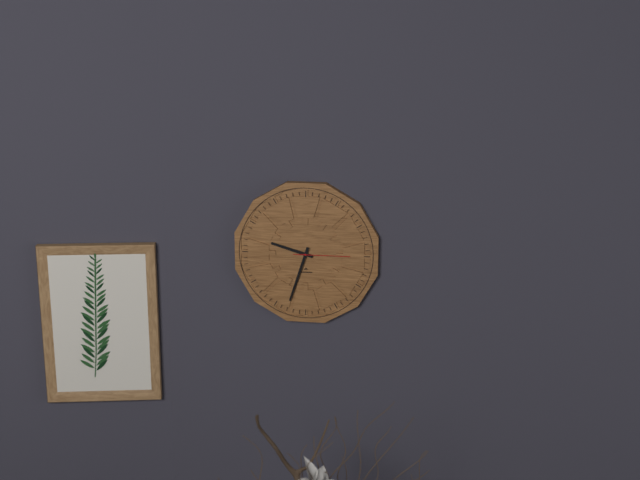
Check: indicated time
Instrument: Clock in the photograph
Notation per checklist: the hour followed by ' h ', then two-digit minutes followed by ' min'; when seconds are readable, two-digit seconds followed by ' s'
9 h 33 min 15 s
